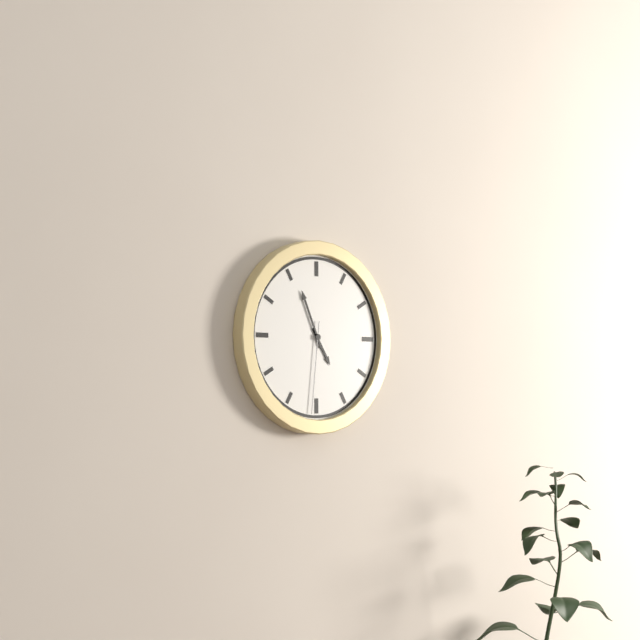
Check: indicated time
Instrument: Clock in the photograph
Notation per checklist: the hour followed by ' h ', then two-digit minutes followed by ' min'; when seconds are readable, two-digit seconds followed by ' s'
4 h 56 min 31 s
